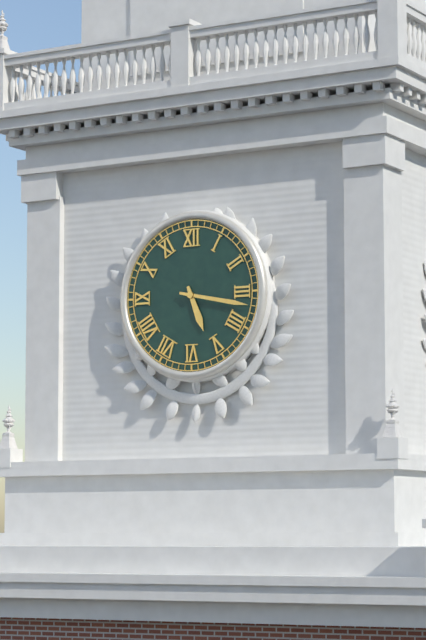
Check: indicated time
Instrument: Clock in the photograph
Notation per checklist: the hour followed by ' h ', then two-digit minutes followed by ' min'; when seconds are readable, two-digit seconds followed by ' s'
5 h 17 min
